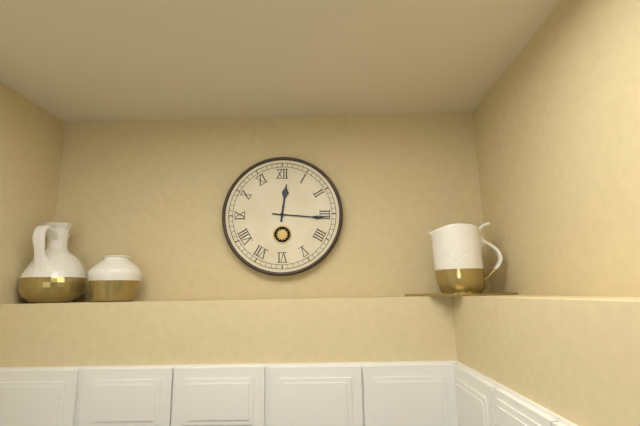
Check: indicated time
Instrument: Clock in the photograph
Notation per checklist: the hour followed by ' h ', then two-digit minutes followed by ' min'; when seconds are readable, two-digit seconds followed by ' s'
12 h 16 min
